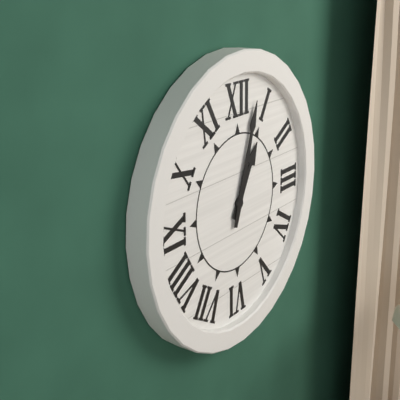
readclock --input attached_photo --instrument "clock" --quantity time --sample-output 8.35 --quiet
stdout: 1.03
